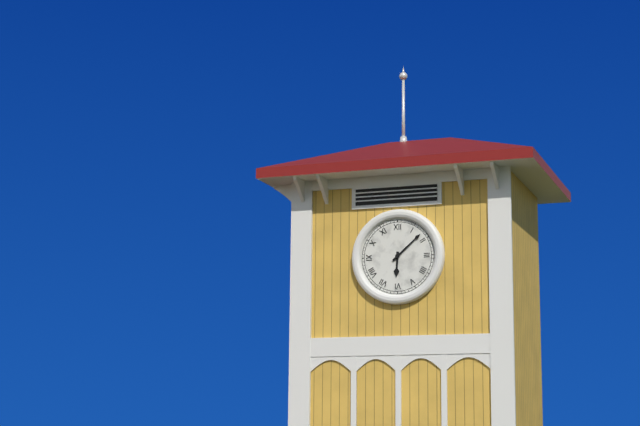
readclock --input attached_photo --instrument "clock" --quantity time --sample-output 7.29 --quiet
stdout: 6.08
